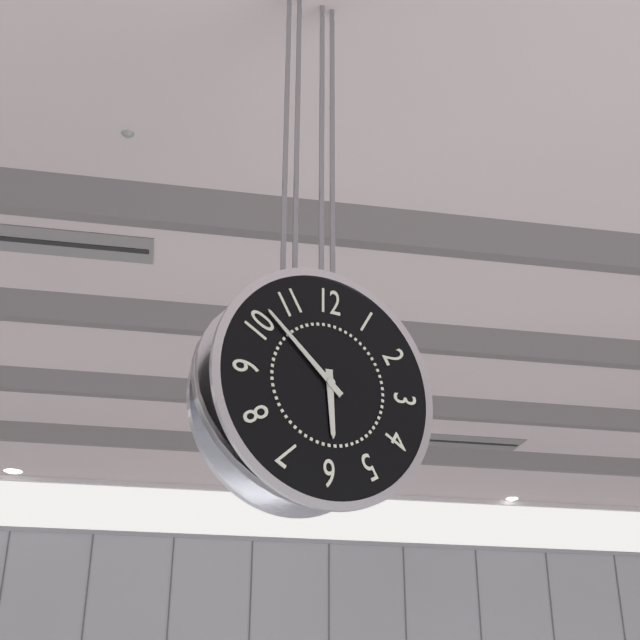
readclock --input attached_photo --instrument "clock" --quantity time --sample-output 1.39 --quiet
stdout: 5.52
